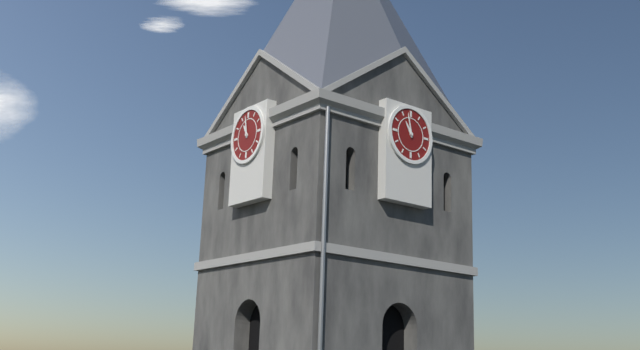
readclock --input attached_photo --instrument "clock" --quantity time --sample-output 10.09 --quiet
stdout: 10.58
